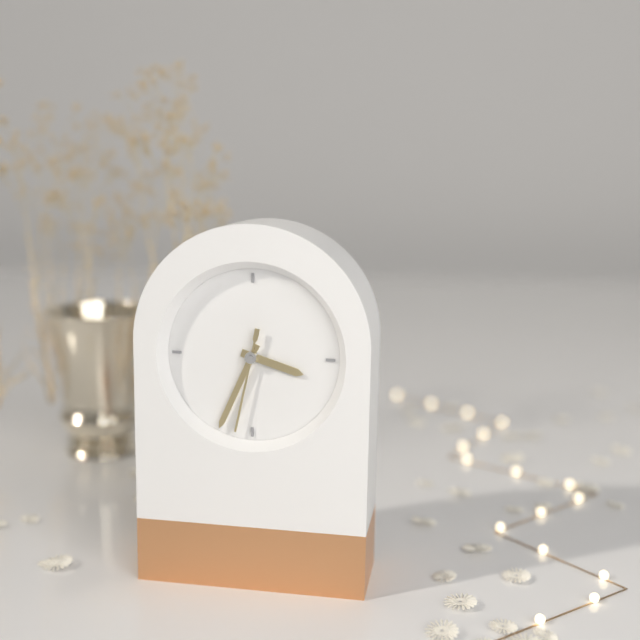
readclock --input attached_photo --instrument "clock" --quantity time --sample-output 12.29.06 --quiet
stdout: 3.34.32
